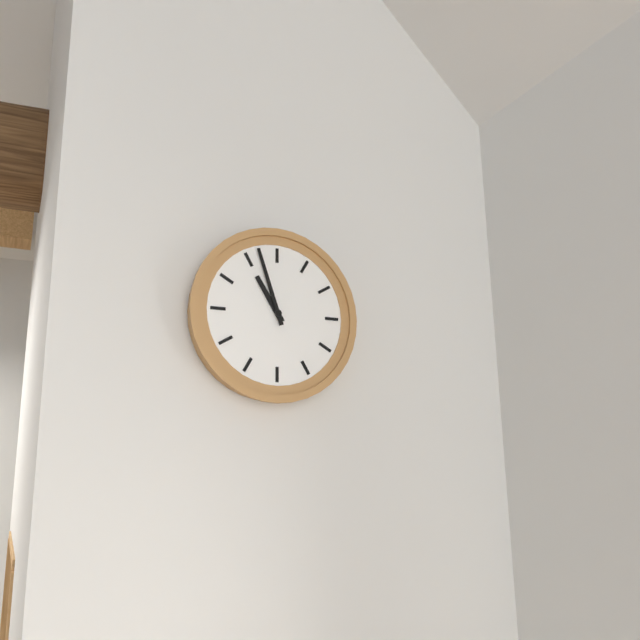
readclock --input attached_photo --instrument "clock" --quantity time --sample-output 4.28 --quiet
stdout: 10.57
